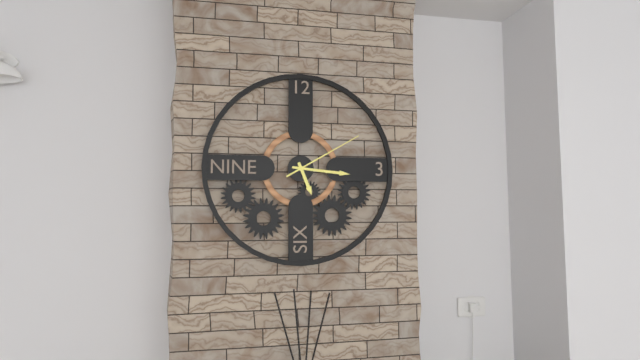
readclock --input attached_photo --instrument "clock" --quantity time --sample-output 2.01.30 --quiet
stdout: 5.16.10
